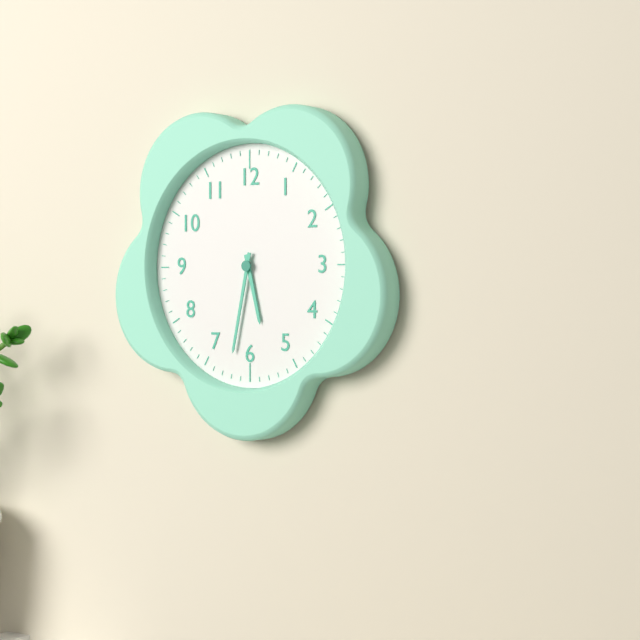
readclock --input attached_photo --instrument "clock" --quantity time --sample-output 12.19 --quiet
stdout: 5.32
